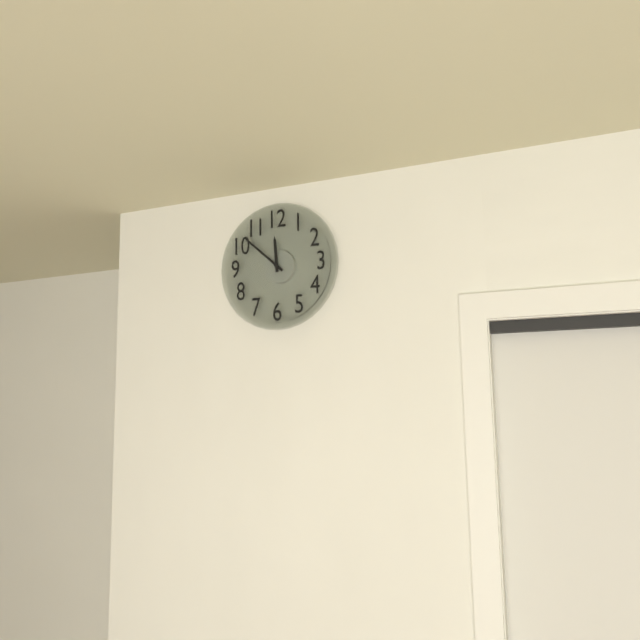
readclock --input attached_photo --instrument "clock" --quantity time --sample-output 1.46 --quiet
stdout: 11.52
